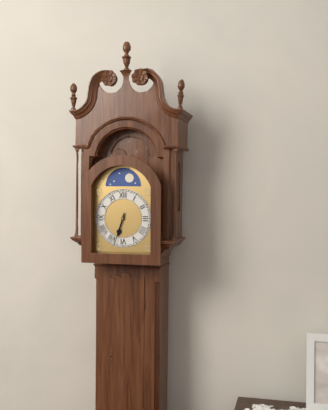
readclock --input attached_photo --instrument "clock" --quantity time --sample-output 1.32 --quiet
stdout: 6.33
